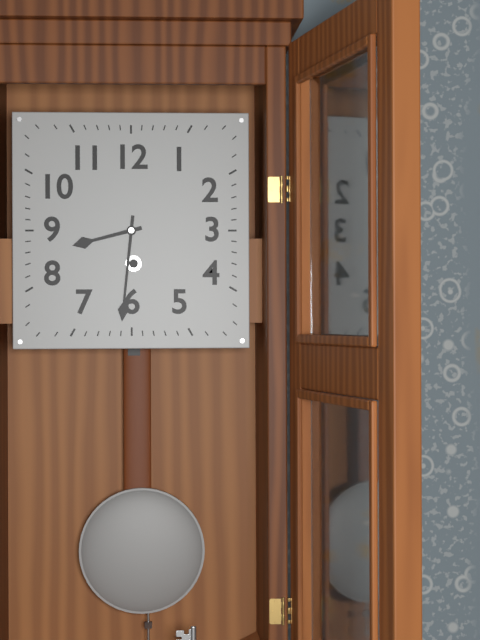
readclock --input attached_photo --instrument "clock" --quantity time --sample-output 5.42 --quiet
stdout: 8.31
